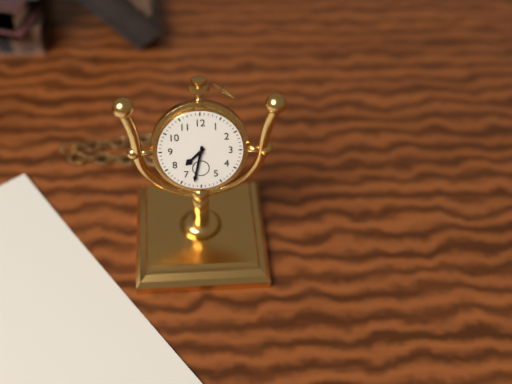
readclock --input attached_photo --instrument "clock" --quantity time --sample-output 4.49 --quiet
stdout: 7.32
